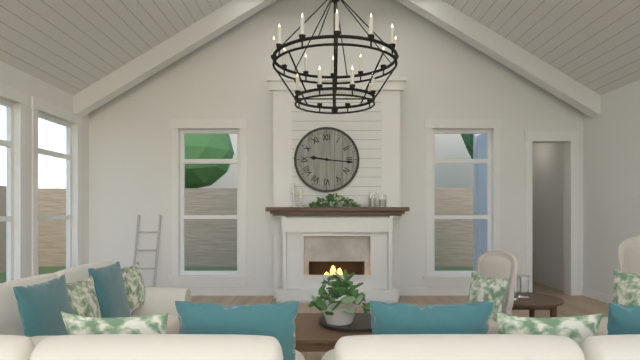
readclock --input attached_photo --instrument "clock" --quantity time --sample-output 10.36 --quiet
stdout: 9.16
